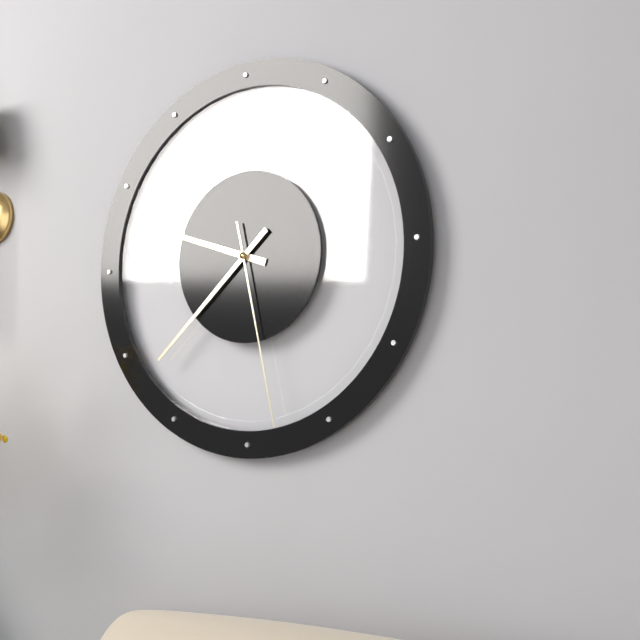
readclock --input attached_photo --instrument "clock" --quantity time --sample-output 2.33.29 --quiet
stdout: 9.38.28
